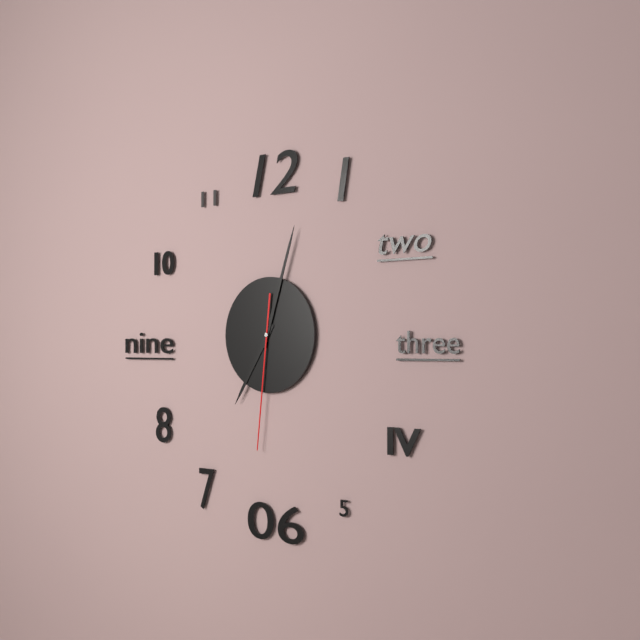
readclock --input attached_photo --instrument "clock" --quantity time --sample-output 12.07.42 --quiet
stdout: 7.03.31
